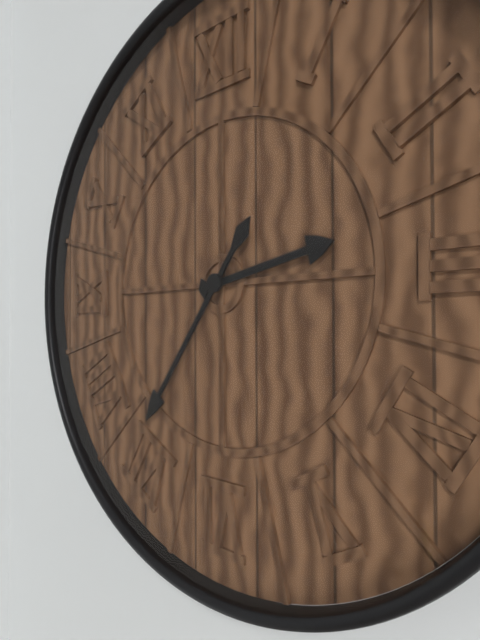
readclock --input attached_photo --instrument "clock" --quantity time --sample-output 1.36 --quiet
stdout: 2.36
